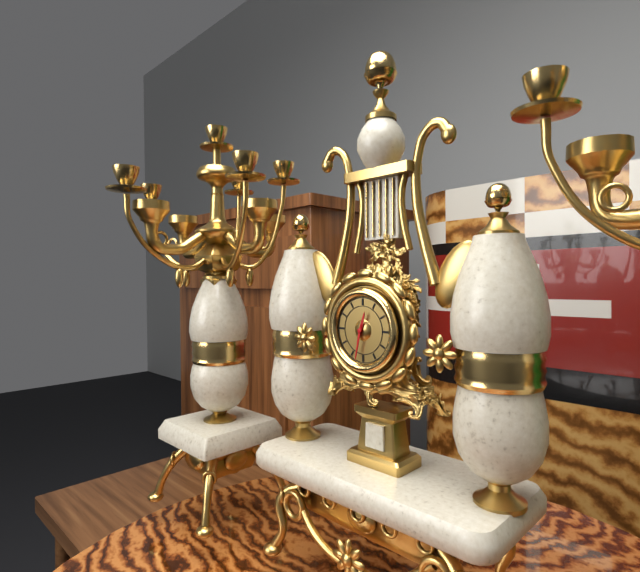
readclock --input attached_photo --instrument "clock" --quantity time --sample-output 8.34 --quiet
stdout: 12.32
